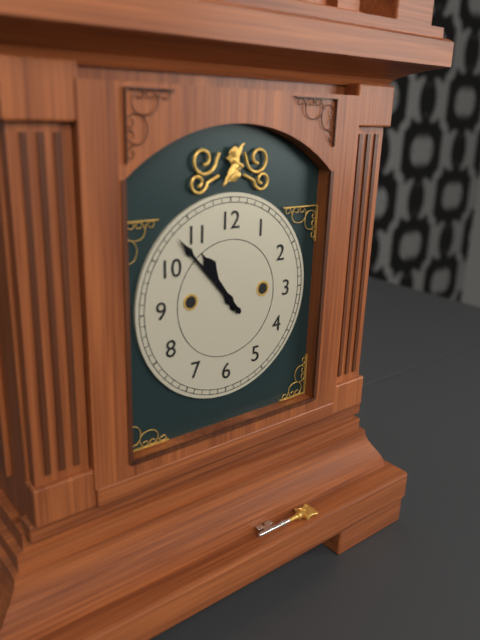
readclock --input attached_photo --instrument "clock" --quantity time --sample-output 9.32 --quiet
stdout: 10.53
